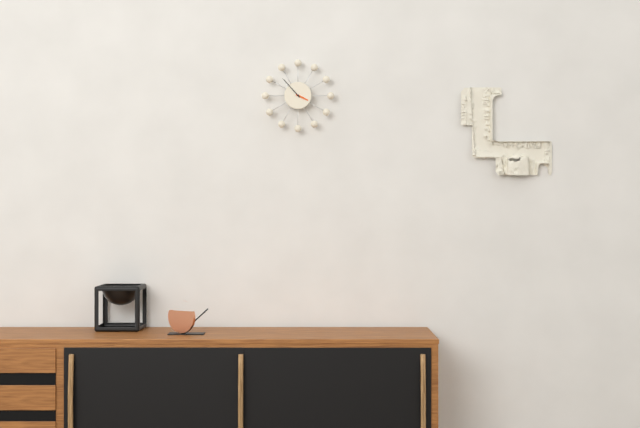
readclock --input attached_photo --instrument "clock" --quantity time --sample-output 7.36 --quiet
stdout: 3.53
